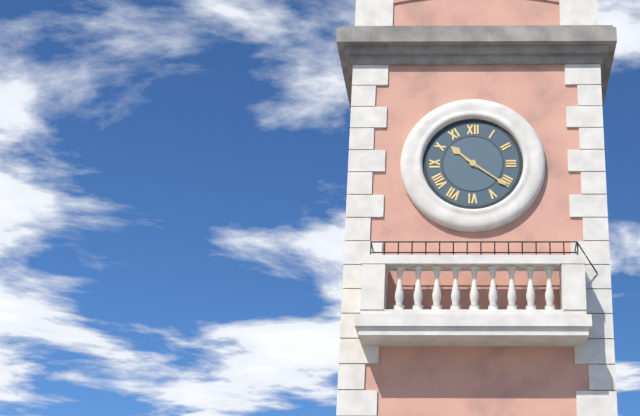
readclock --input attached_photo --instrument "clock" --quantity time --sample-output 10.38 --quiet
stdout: 10.21
